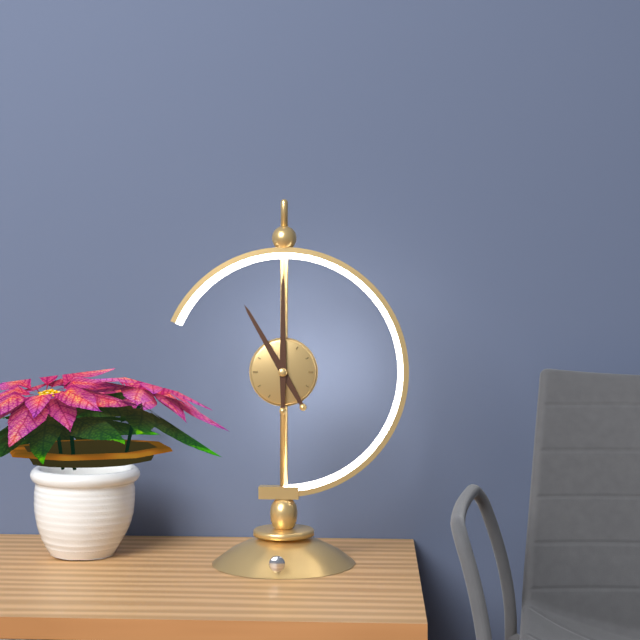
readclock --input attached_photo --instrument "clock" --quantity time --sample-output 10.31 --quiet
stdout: 11.00
